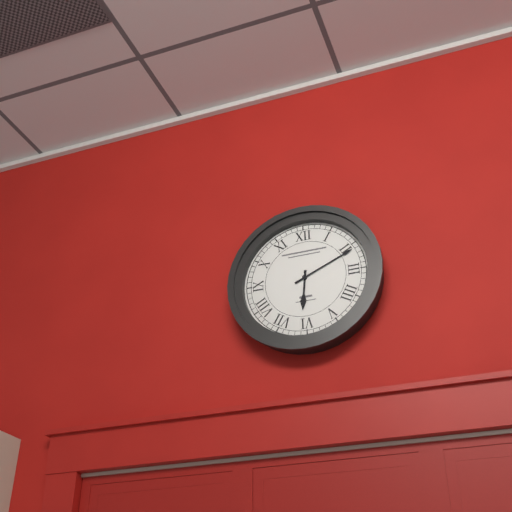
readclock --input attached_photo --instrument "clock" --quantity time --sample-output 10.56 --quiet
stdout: 6.11
